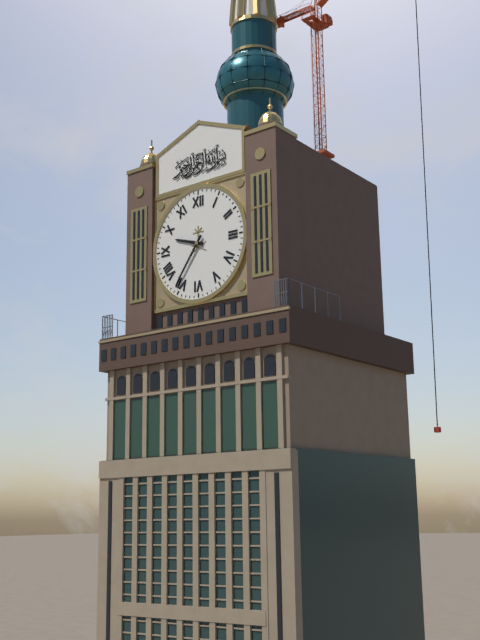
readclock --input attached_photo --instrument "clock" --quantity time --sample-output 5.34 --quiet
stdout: 9.36
